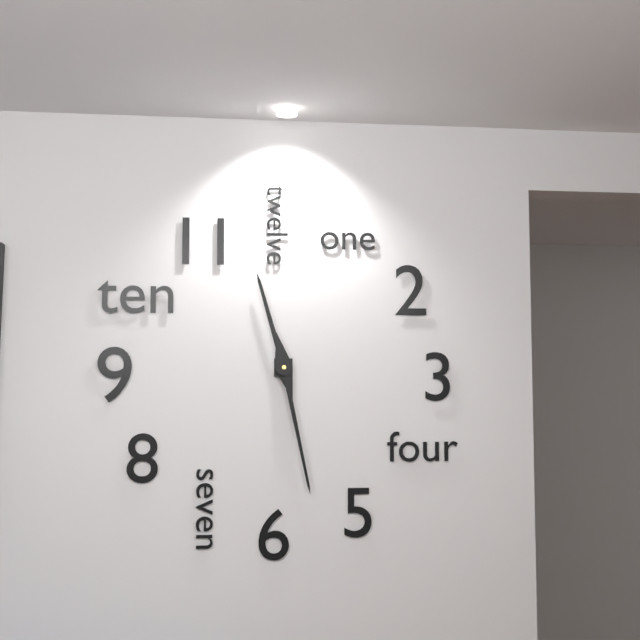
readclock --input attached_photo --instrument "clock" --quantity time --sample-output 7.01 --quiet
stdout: 11.28
